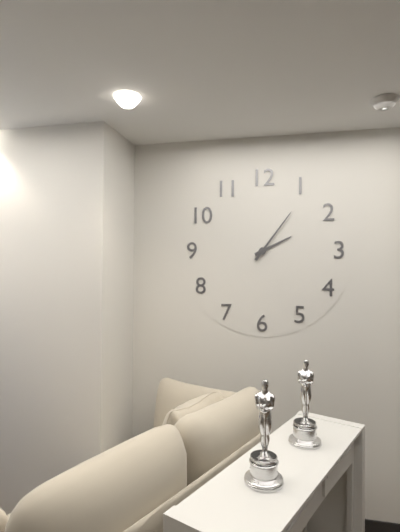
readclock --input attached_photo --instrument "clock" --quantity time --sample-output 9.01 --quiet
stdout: 2.06
